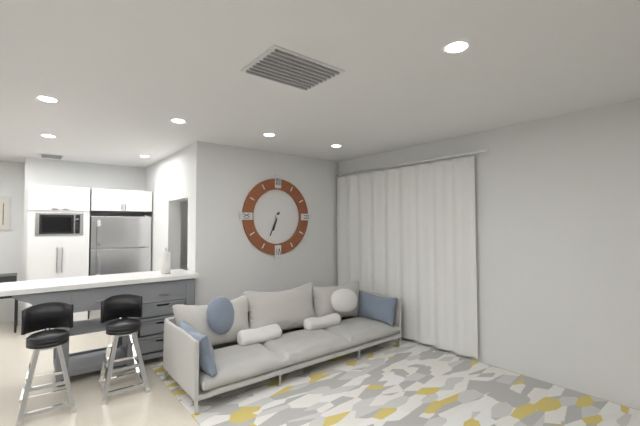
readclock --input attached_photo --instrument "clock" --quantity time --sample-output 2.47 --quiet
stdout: 6.34
